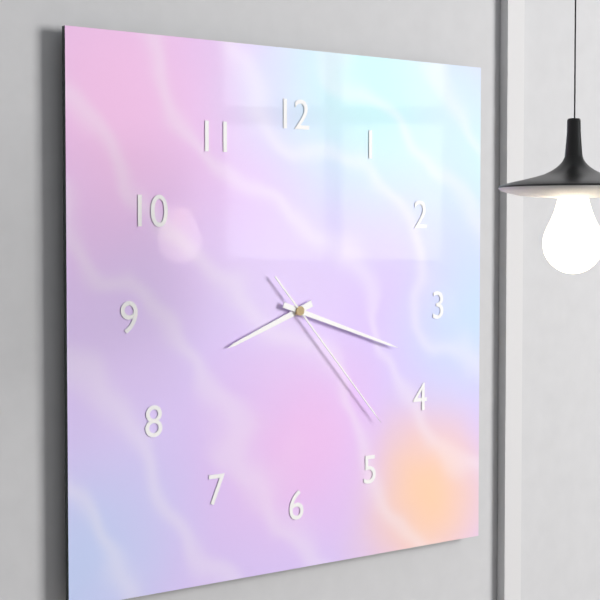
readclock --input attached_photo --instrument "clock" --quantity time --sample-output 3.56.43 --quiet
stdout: 8.18.23
